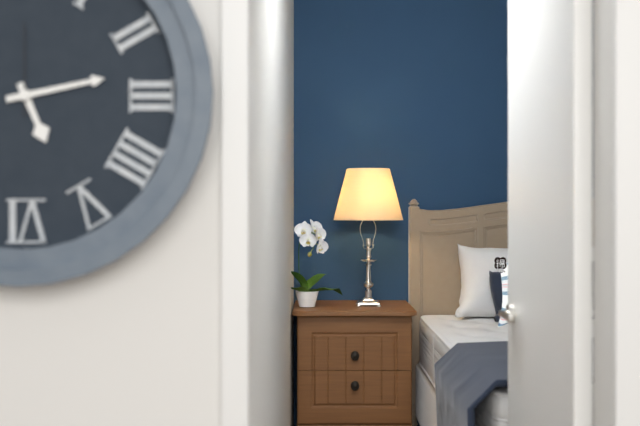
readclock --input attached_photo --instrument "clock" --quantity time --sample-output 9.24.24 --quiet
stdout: 5.13.00
